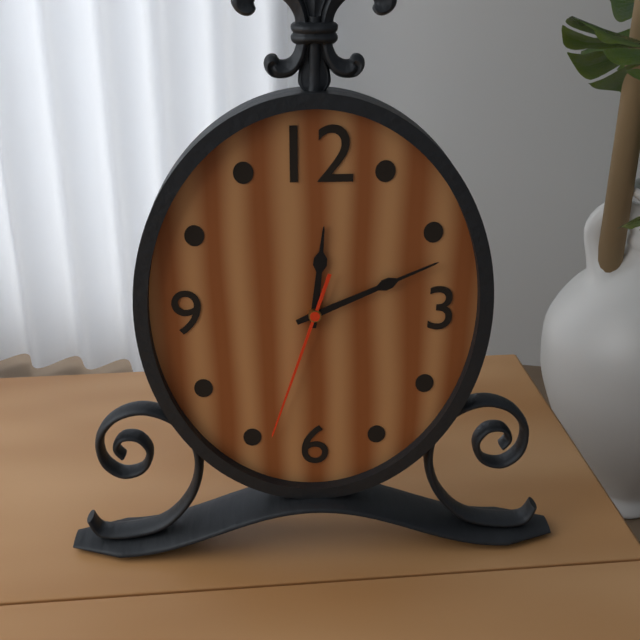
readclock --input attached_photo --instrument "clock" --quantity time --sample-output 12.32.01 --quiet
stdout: 12.11.33
